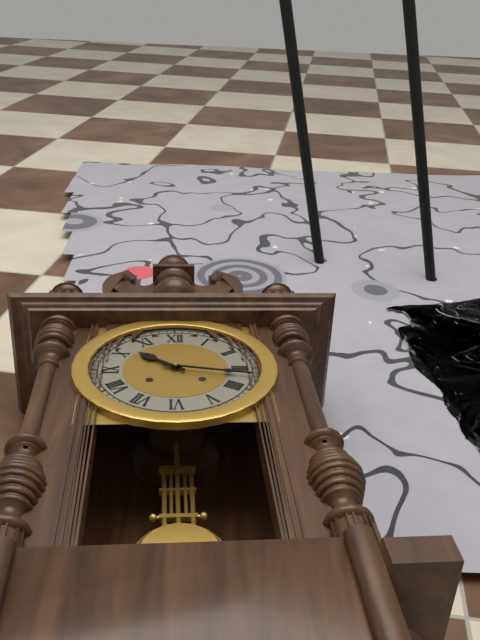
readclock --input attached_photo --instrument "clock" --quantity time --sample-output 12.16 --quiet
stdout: 10.17
